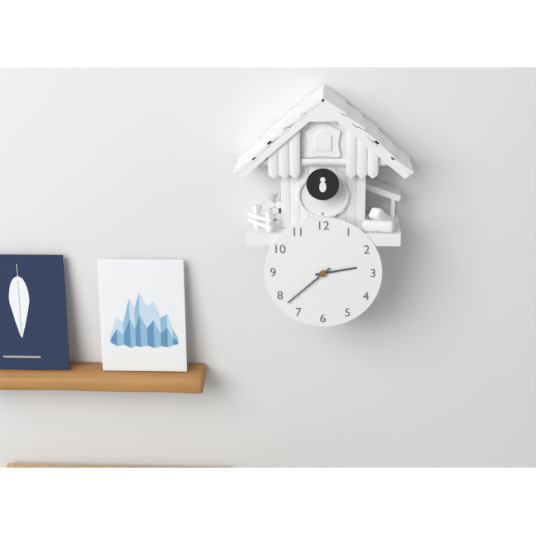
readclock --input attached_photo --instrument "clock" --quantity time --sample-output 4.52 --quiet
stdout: 2.38
